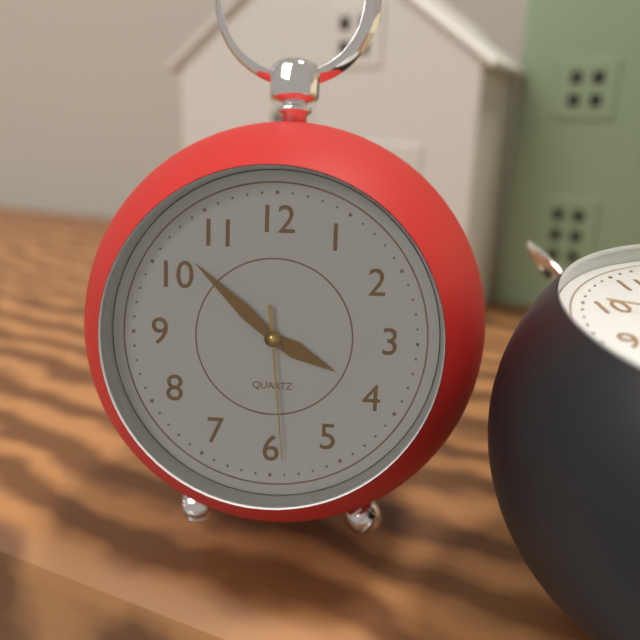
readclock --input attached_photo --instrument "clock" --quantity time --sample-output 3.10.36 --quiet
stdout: 3.52.29
